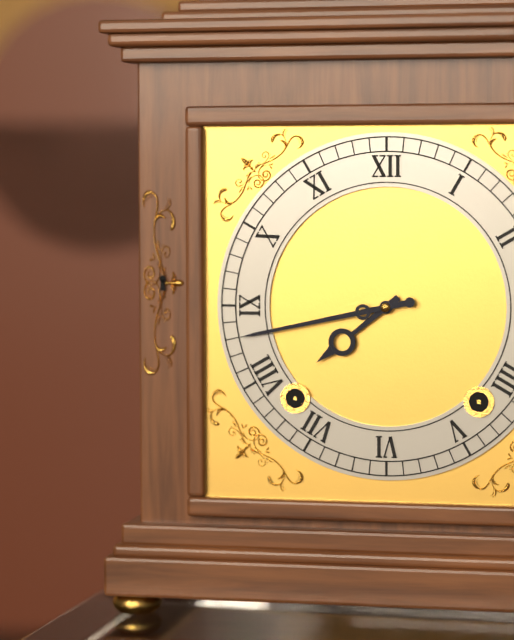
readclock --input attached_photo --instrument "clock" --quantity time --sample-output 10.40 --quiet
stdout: 7.43
